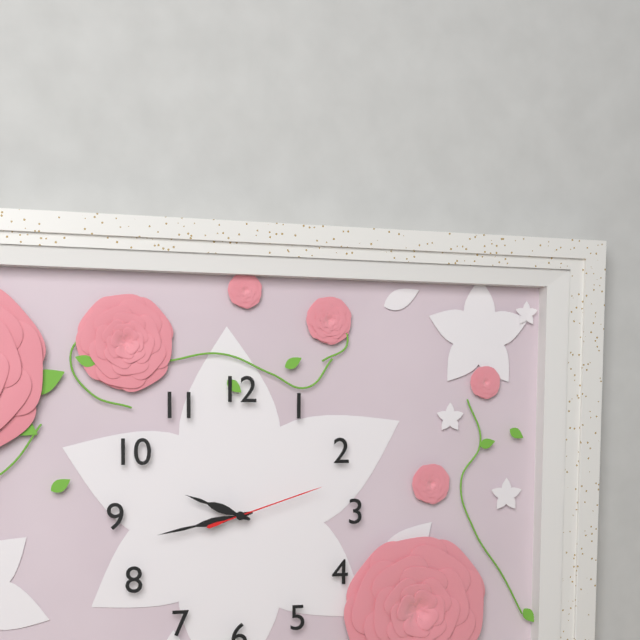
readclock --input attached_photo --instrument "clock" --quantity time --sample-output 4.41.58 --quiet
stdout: 9.43.12
